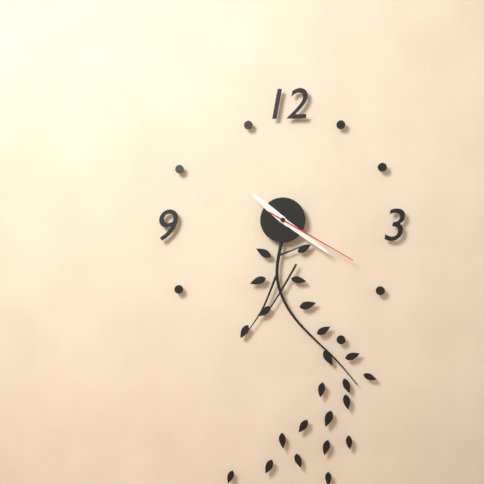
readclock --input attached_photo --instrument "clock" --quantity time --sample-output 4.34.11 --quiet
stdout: 10.21.20
